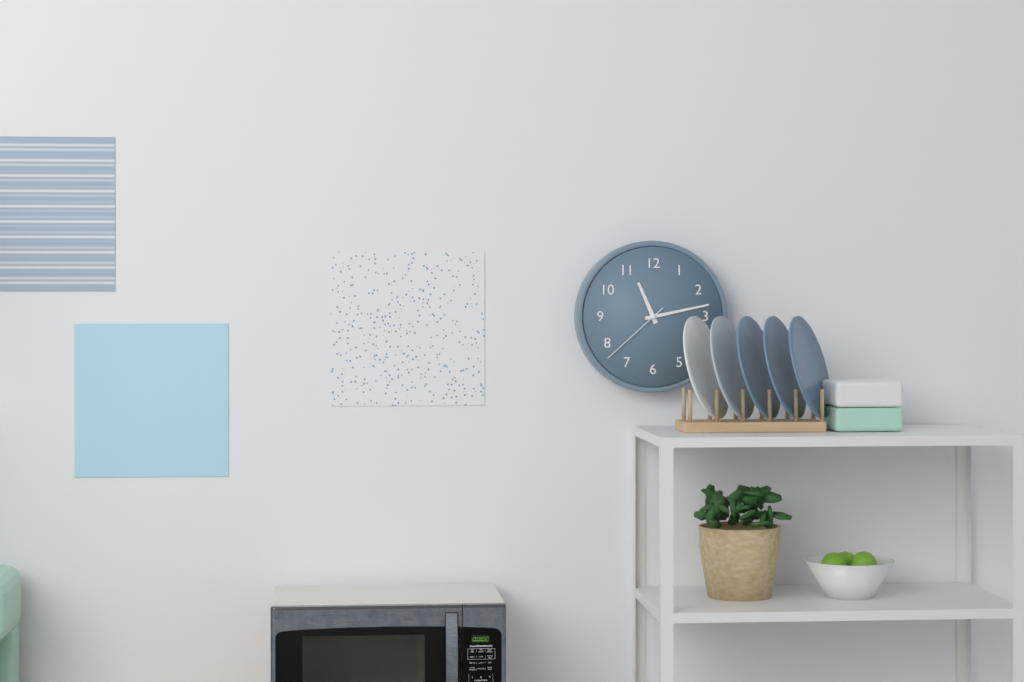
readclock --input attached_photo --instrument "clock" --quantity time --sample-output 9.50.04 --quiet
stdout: 11.13.38
